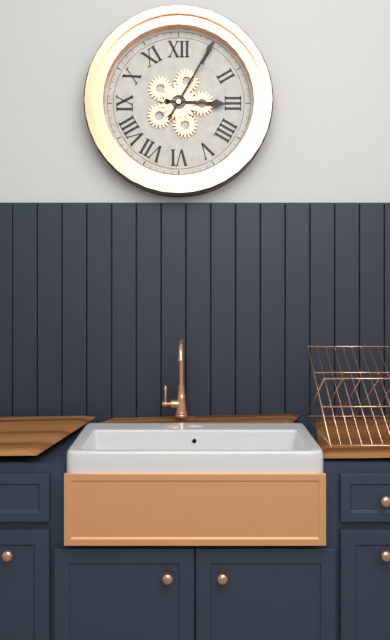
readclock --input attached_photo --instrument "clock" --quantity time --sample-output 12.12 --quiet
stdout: 3.05
